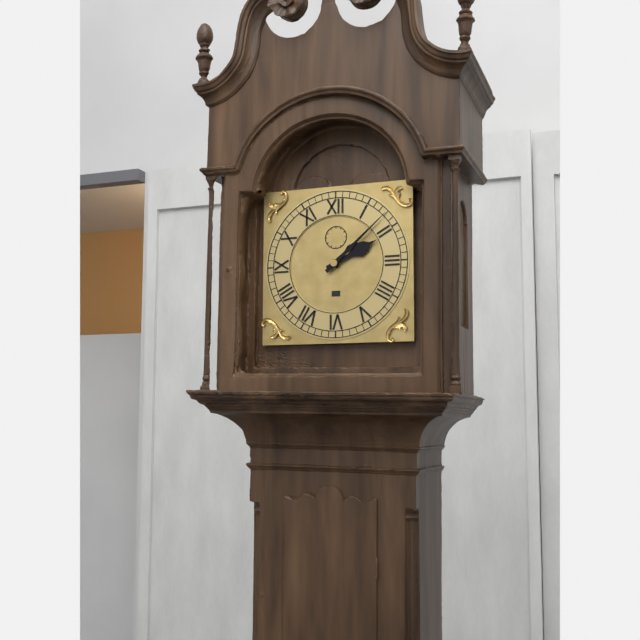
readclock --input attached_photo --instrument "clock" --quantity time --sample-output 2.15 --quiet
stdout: 2.08
